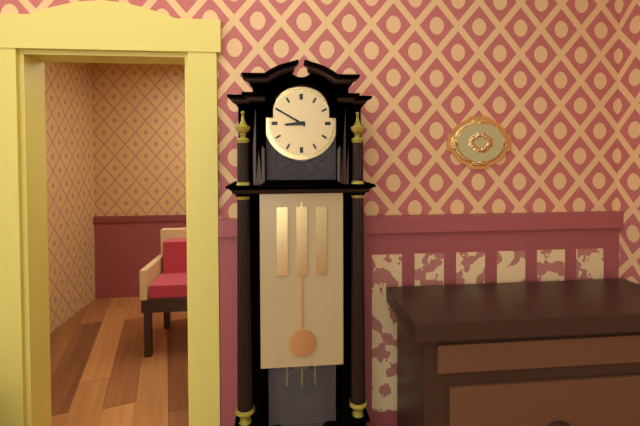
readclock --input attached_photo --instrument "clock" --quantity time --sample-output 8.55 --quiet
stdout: 8.50
